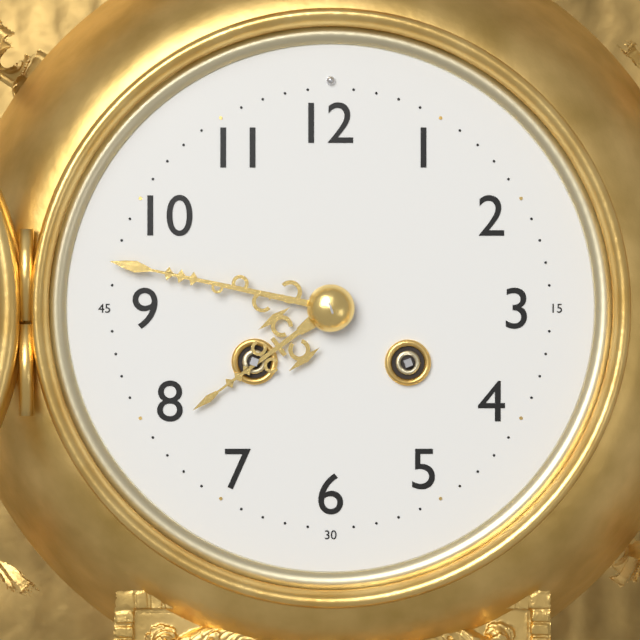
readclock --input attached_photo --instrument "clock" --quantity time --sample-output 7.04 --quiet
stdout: 7.47
